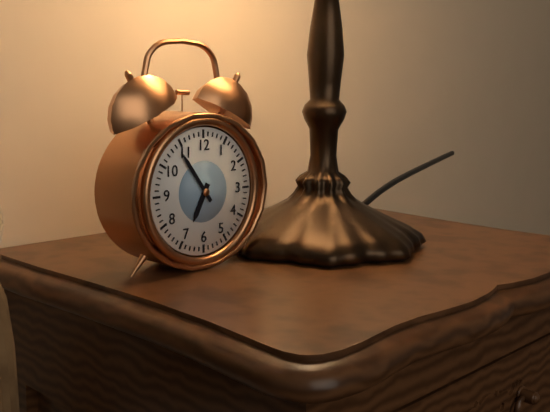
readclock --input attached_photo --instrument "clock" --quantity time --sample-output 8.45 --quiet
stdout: 6.54
